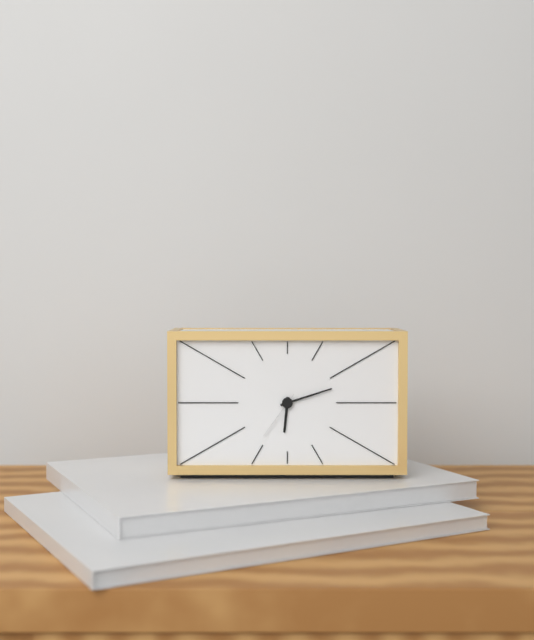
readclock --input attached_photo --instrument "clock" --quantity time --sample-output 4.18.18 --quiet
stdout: 6.12.36
